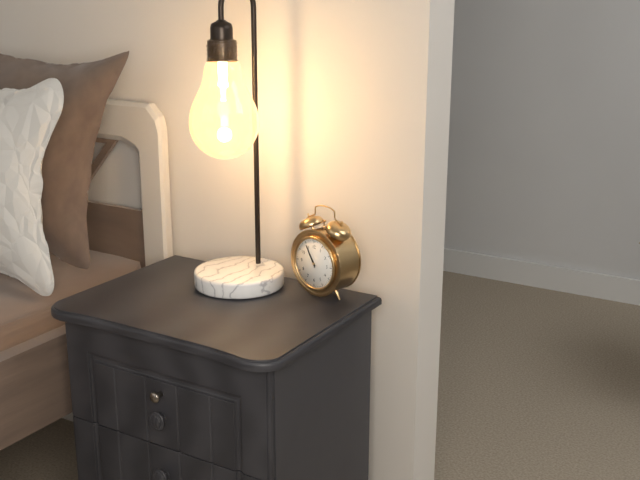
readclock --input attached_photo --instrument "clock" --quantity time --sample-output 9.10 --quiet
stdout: 10.55
